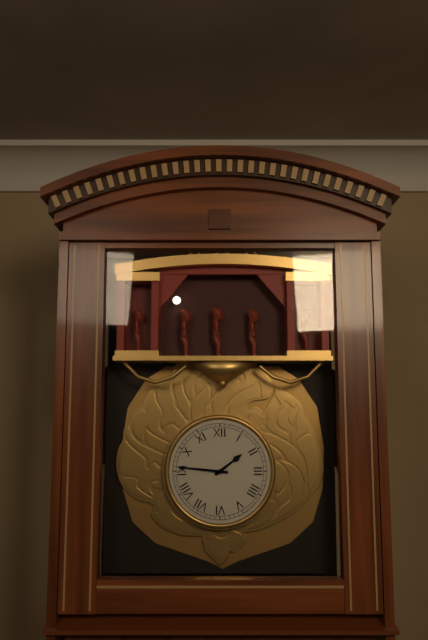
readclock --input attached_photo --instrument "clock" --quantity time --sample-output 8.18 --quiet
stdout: 1.46
